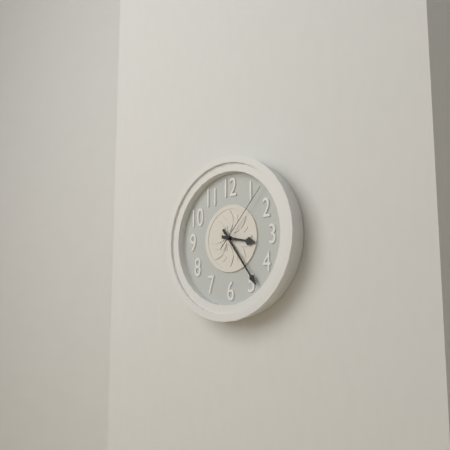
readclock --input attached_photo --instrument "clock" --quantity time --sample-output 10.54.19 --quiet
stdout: 3.24.07
